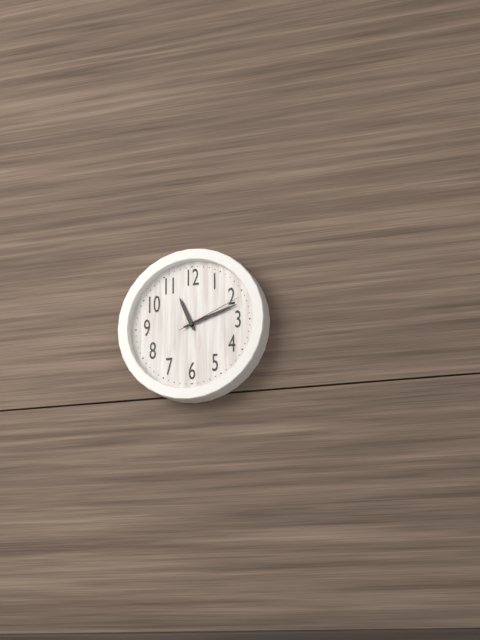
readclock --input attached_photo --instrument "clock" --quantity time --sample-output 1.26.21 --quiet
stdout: 11.12.11
